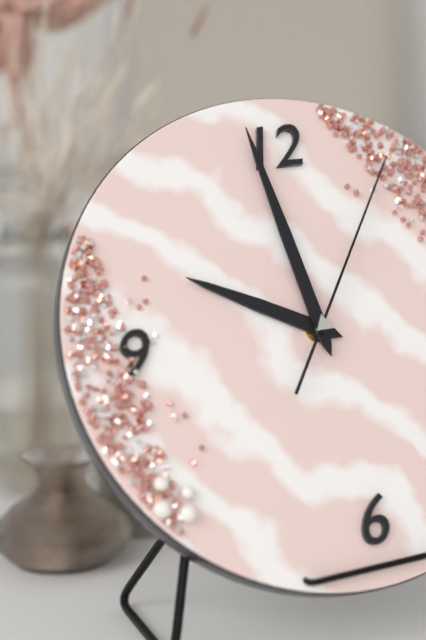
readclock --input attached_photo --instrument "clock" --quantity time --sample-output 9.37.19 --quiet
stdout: 9.59.06
